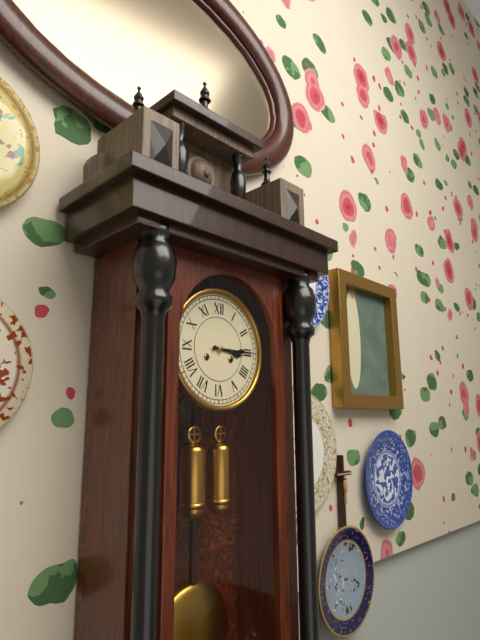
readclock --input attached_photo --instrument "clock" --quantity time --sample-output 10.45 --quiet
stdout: 3.15
